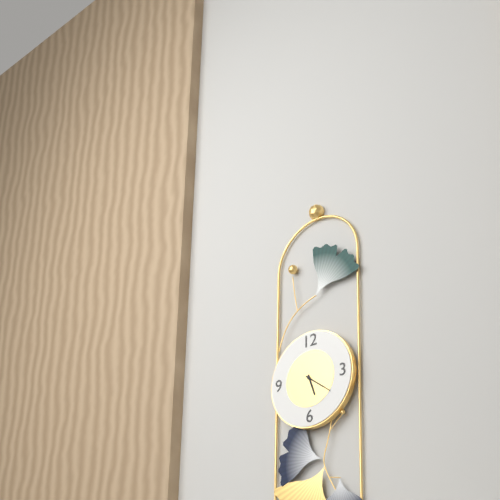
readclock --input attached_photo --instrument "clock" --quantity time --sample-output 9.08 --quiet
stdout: 5.21
